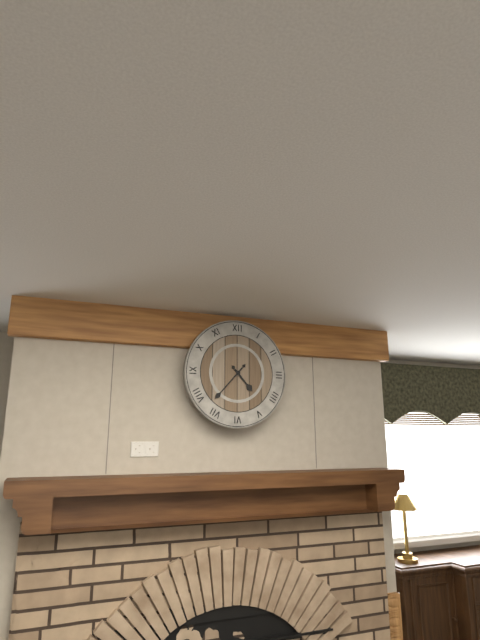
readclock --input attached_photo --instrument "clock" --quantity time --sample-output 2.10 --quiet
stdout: 4.37
